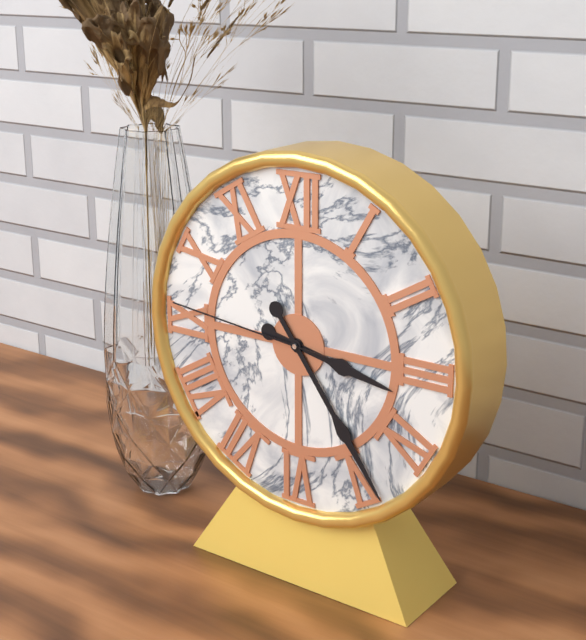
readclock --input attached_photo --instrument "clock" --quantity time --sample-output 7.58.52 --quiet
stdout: 3.24.46
